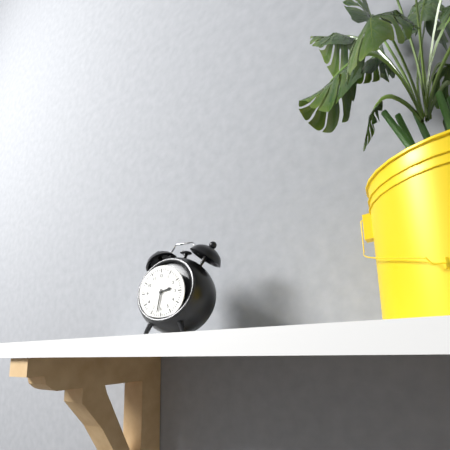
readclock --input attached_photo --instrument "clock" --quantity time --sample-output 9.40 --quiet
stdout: 2.32
